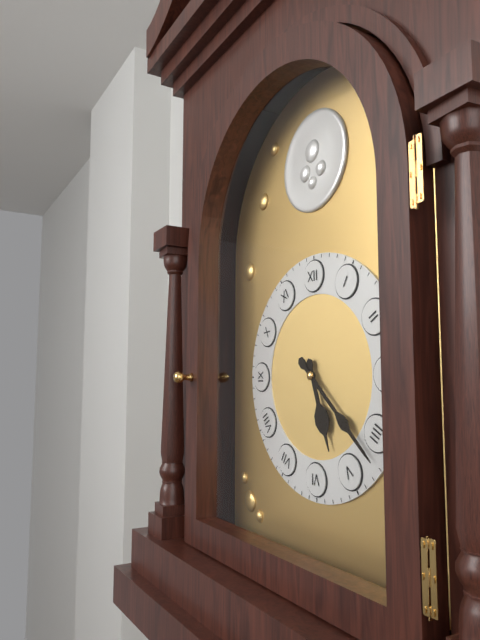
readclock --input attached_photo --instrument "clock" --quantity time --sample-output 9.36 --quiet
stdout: 5.22
